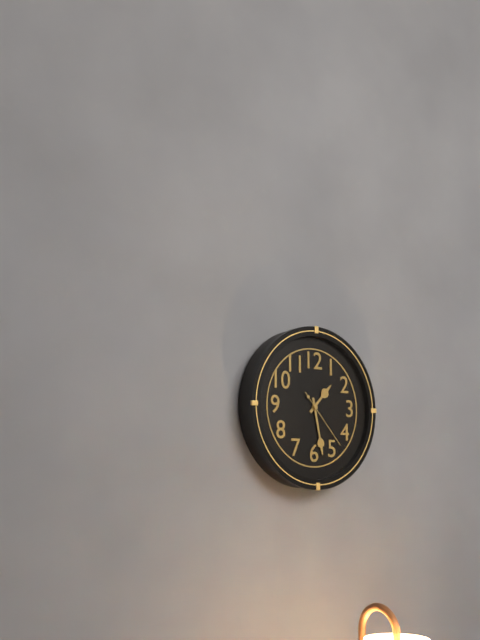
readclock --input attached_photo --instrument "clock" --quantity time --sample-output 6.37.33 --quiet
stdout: 1.28.23
